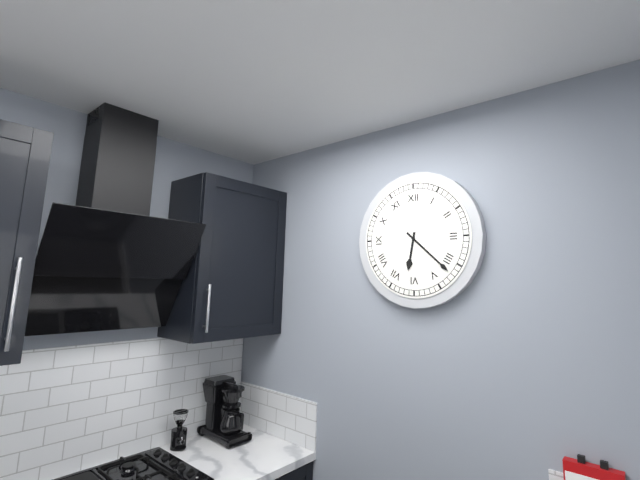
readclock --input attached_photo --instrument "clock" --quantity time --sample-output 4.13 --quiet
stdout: 6.22
